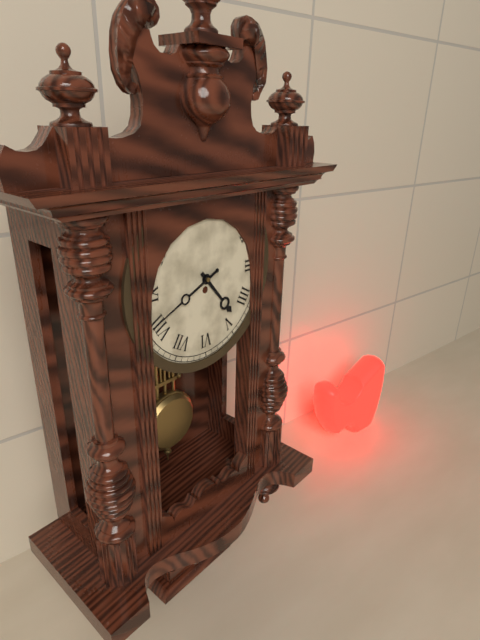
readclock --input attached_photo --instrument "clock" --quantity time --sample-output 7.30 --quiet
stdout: 4.41
